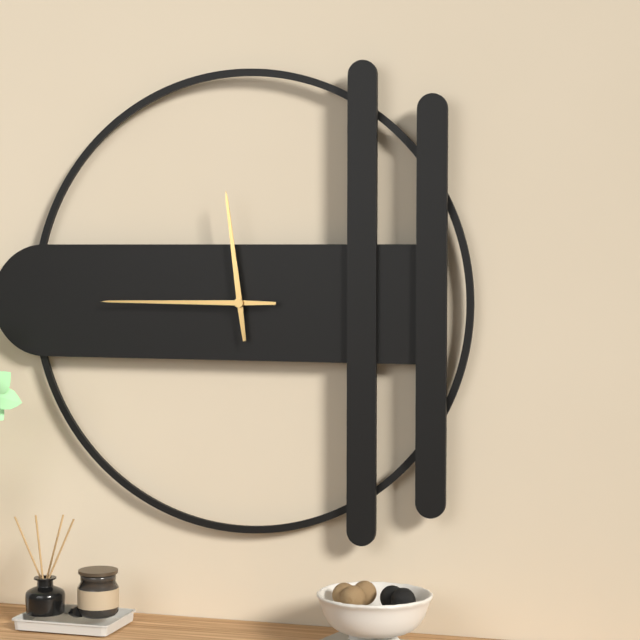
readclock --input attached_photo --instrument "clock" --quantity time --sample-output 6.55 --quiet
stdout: 11.45
